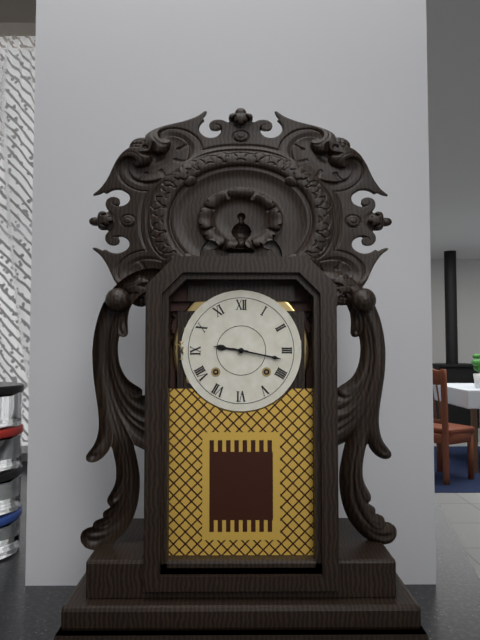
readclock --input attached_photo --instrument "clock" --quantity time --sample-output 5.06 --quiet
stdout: 9.17
